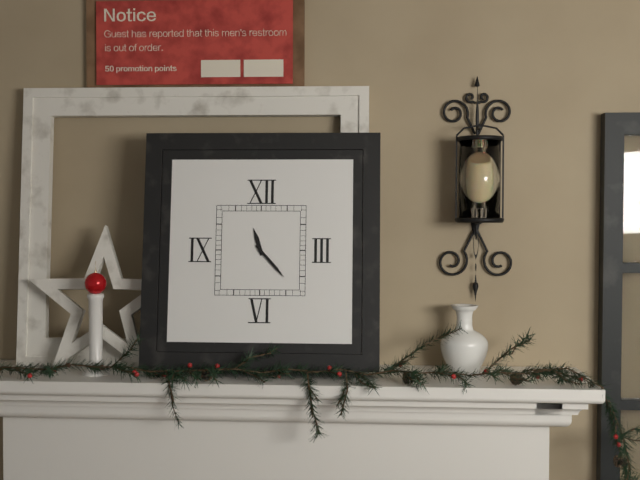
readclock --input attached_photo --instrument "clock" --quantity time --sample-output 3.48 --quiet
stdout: 11.23
